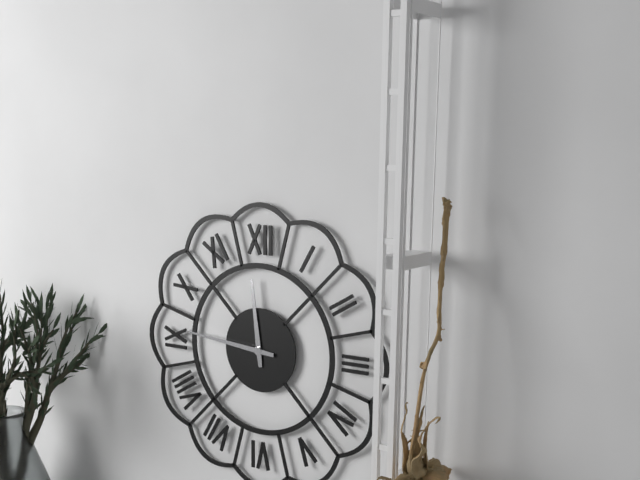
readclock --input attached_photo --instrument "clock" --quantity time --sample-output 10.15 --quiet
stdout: 11.46
